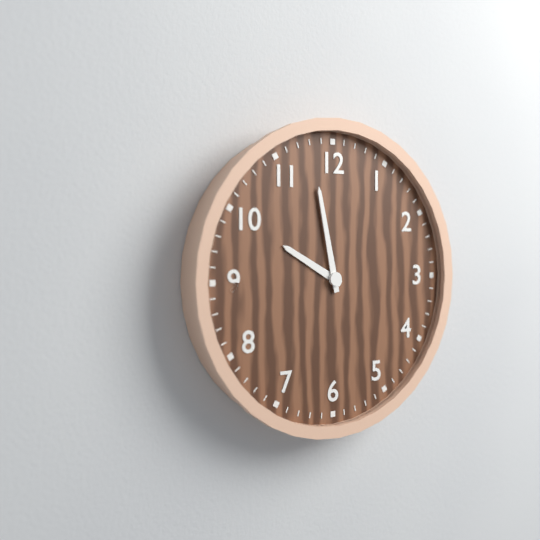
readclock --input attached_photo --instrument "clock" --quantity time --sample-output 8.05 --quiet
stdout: 9.58
